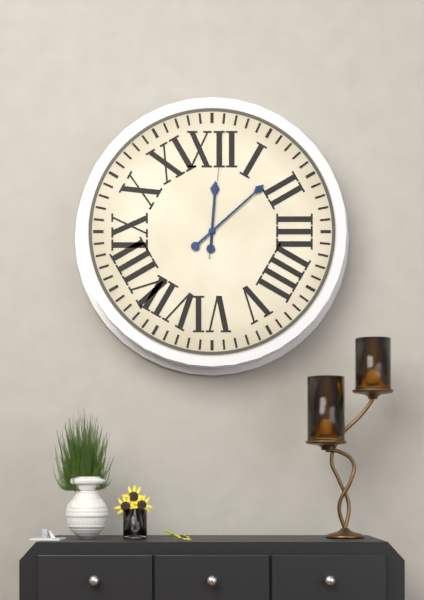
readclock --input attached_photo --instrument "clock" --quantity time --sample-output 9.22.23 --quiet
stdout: 12.08.01
